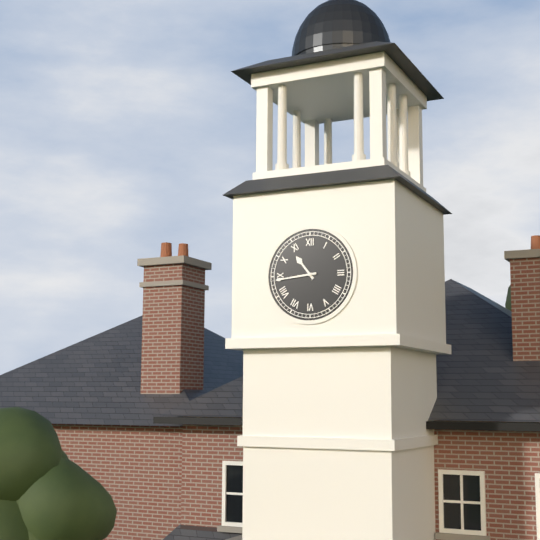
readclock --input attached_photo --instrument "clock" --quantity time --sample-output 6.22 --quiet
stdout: 10.44
